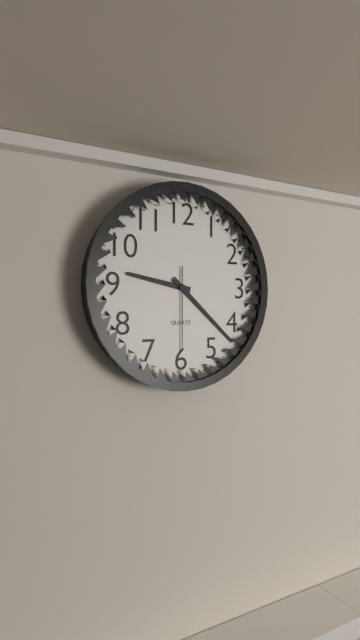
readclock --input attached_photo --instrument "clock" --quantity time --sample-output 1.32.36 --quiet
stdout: 9.22.30
